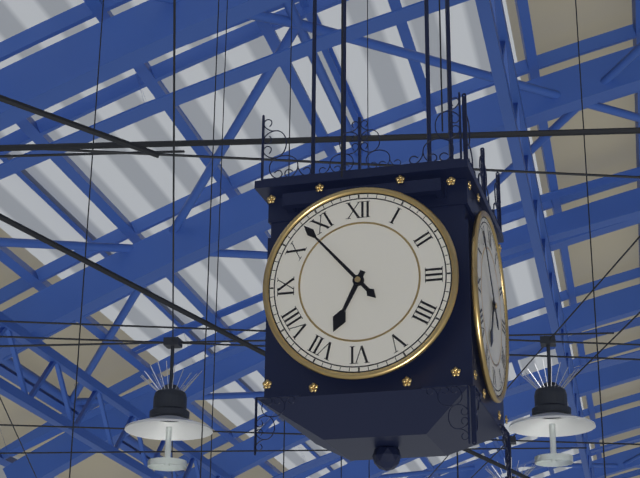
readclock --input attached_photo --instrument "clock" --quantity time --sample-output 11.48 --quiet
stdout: 6.53
